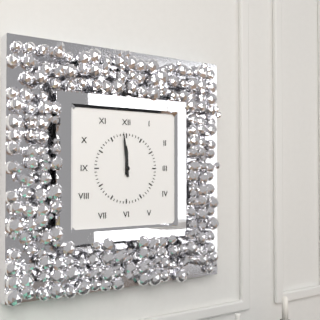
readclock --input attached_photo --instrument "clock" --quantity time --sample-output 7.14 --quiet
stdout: 11.59
